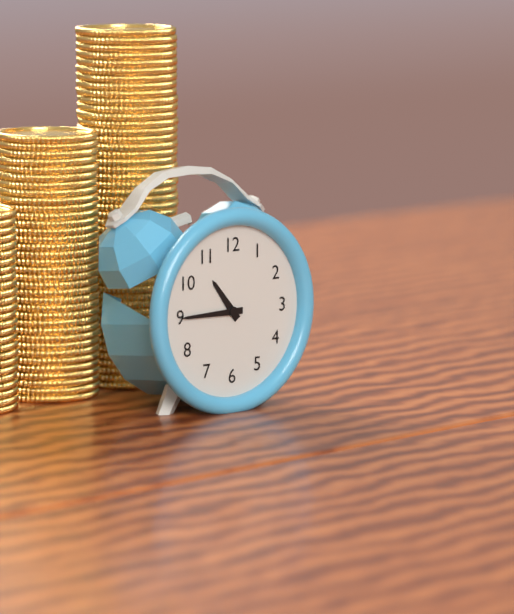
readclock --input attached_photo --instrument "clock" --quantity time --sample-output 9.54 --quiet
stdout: 10.45
